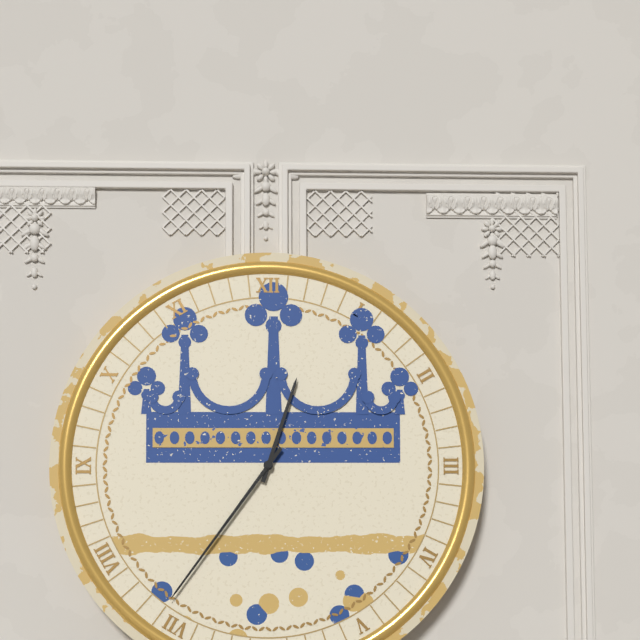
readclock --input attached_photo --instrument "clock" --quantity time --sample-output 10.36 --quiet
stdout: 12.36
